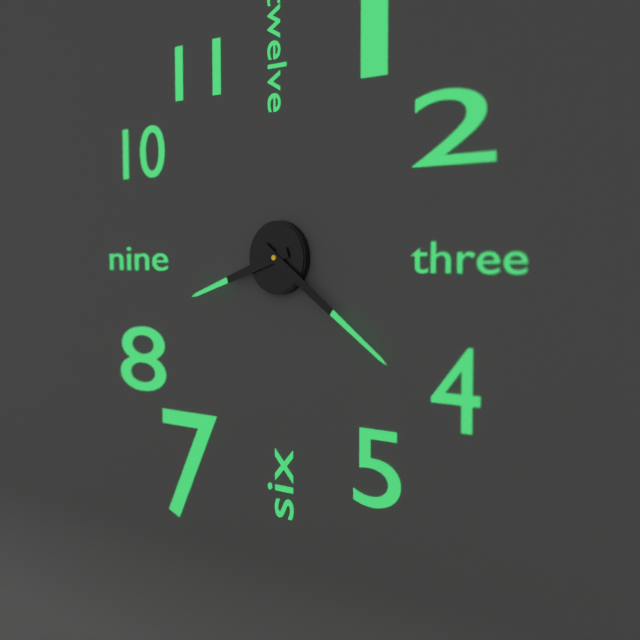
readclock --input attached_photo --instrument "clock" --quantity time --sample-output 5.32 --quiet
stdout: 8.21
